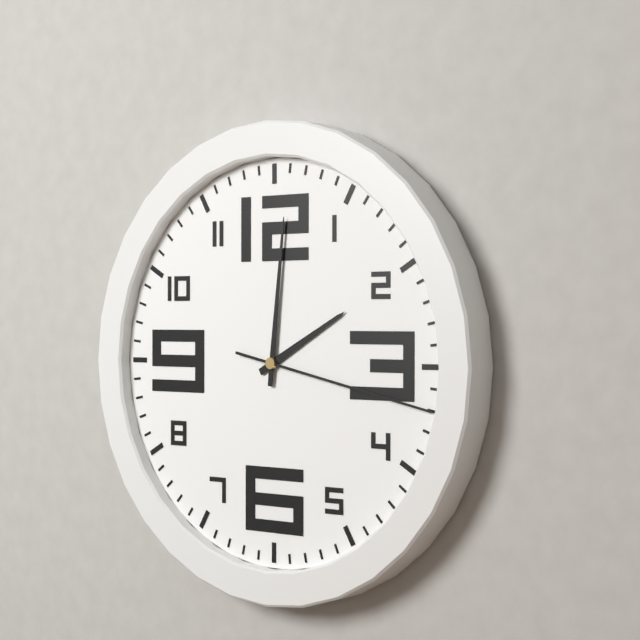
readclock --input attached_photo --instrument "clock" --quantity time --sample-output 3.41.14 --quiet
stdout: 2.01.17
